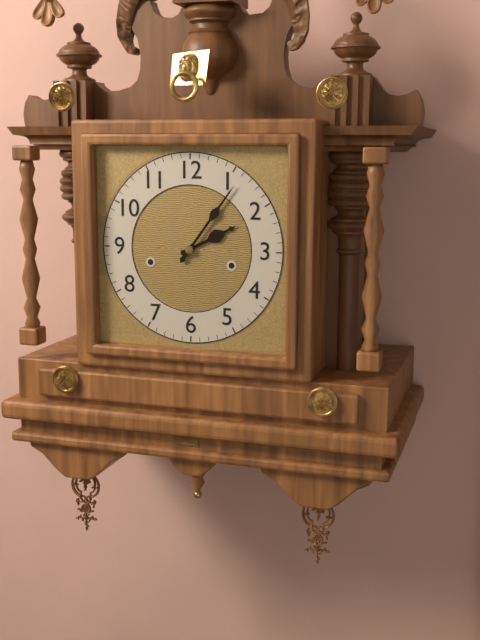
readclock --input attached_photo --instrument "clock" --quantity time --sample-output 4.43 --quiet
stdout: 2.06
